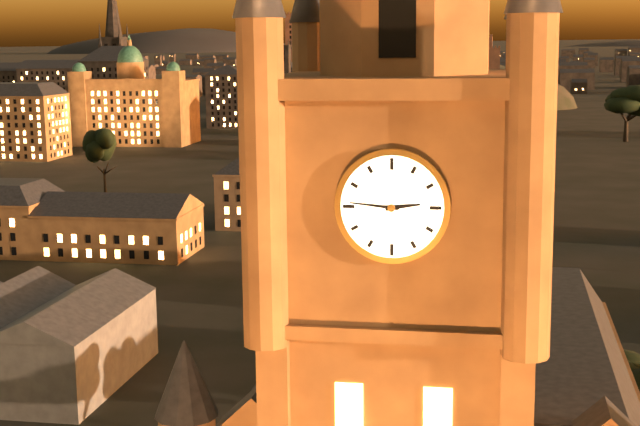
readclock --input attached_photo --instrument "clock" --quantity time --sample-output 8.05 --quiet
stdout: 2.46
